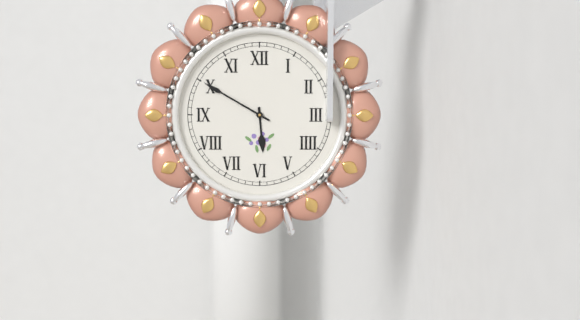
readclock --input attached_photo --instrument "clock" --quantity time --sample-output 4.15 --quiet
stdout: 5.50
